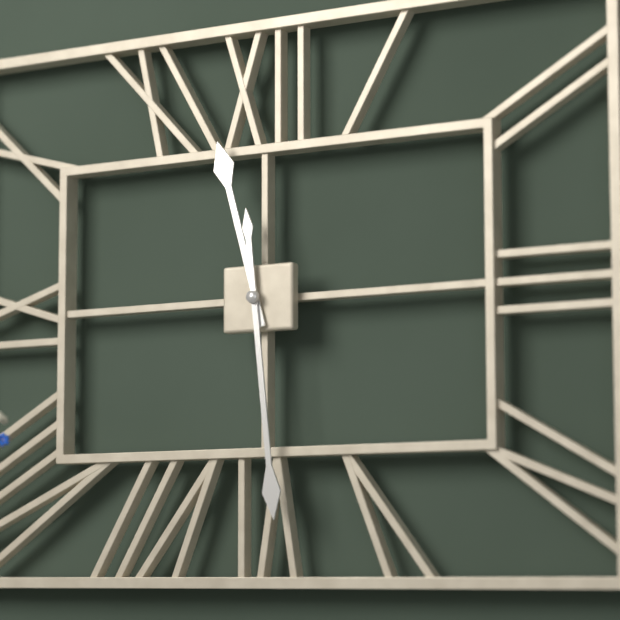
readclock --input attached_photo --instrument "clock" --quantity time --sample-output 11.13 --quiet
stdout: 11.29
